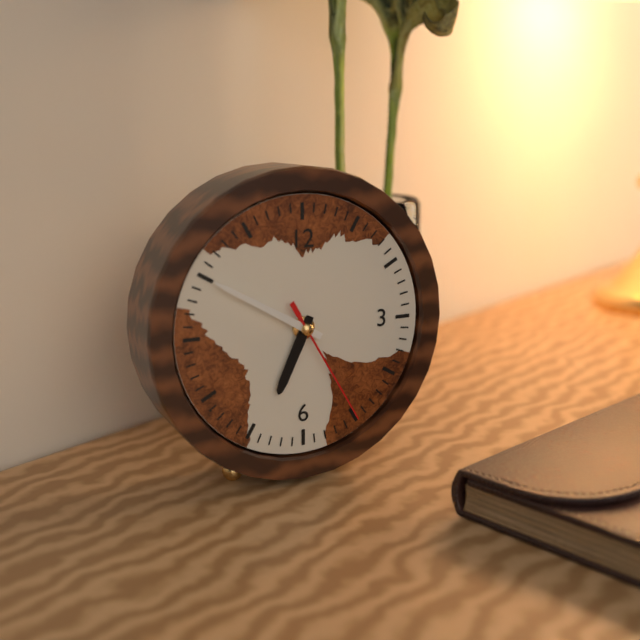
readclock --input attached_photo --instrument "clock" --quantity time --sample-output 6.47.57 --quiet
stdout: 6.50.25
